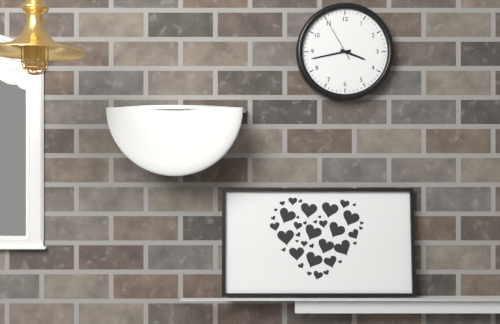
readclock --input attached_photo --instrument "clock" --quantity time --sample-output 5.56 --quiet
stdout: 3.43
